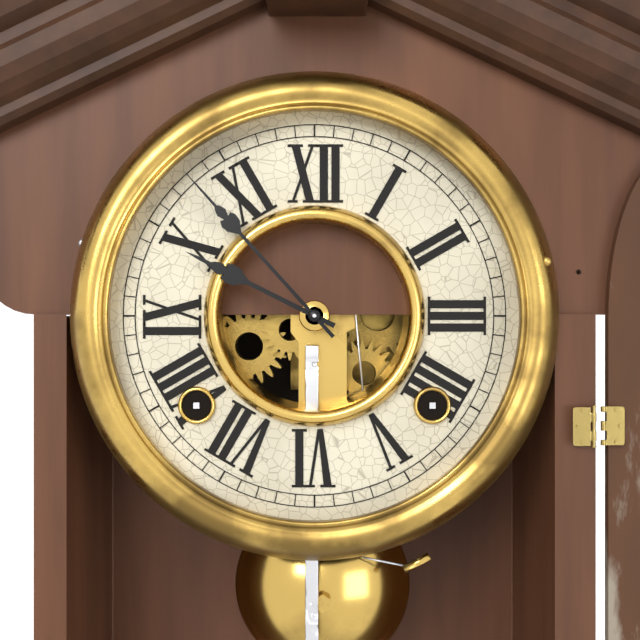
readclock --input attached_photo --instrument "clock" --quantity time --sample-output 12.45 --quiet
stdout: 9.53
